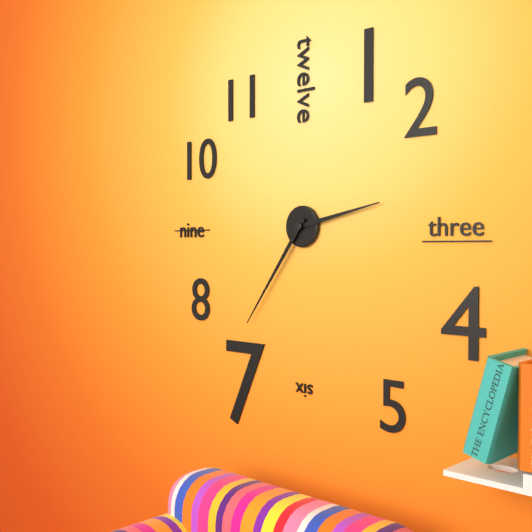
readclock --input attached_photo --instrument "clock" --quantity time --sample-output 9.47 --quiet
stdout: 2.36
